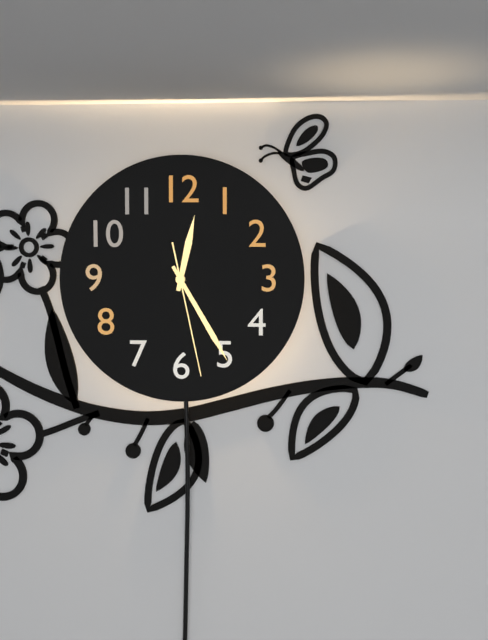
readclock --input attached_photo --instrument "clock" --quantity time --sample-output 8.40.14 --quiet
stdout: 12.25.28
